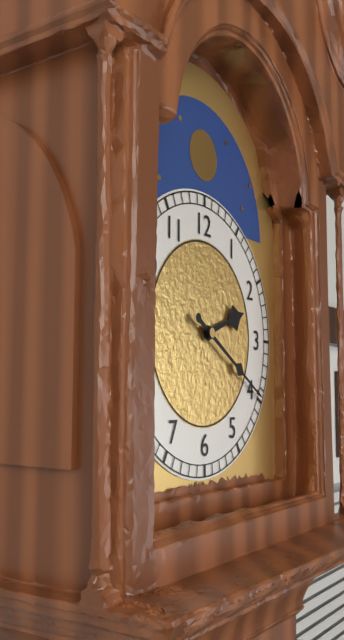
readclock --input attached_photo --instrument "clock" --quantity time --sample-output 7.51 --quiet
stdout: 2.20
